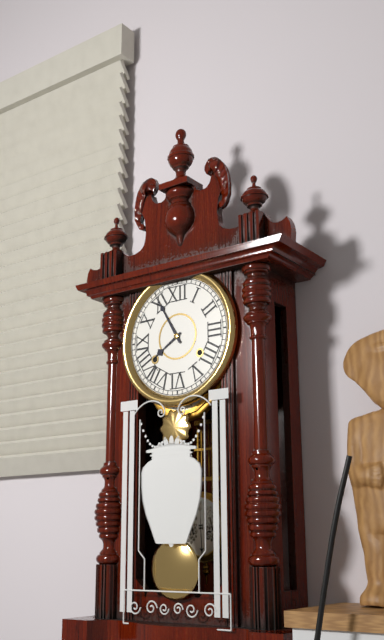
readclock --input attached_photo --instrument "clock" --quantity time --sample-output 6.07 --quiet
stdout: 7.55
